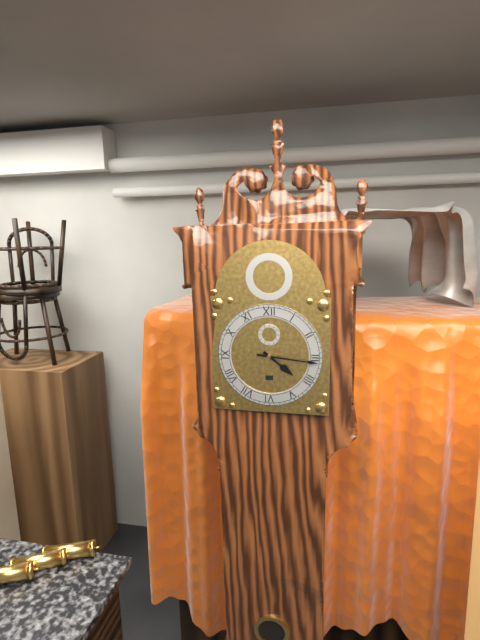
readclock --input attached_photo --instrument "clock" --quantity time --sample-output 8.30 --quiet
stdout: 4.16
